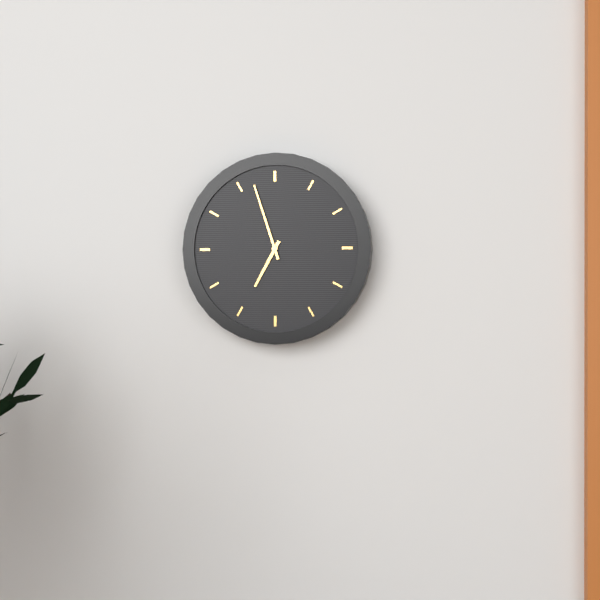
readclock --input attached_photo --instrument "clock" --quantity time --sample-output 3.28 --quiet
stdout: 6.57
